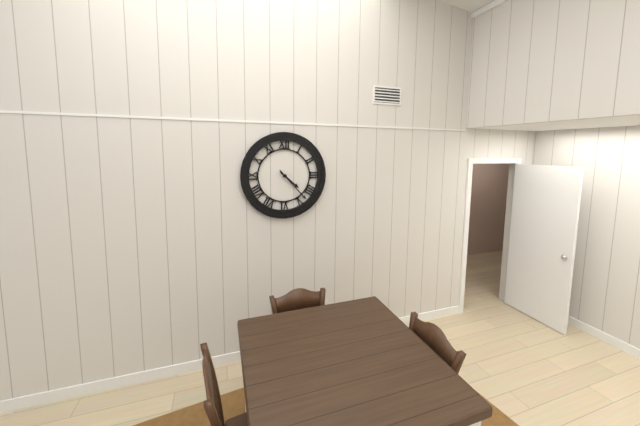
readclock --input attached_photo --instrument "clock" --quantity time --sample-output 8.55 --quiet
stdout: 4.23
